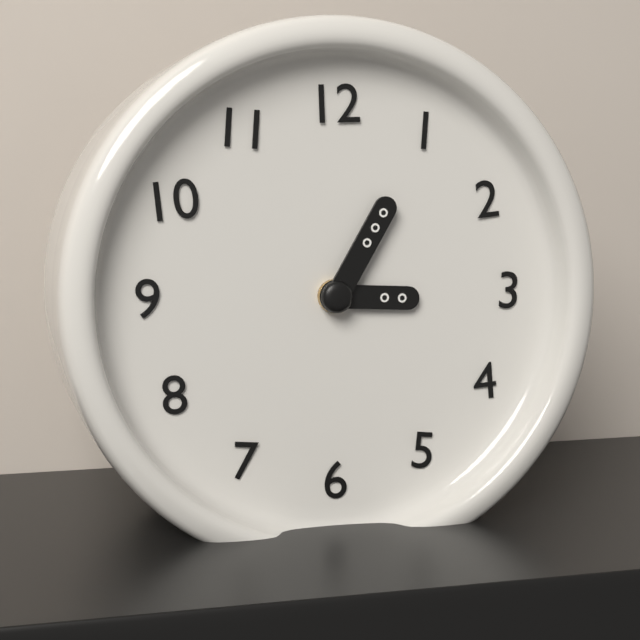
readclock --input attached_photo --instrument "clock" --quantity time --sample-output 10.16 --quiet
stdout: 3.05
